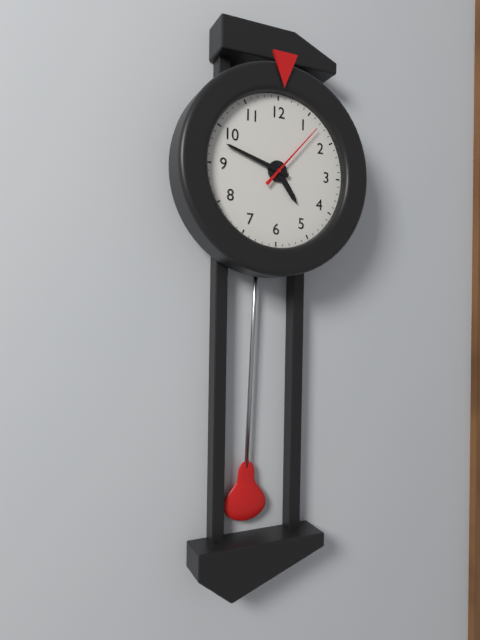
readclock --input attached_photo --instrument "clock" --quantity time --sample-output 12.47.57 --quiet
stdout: 4.48.07
